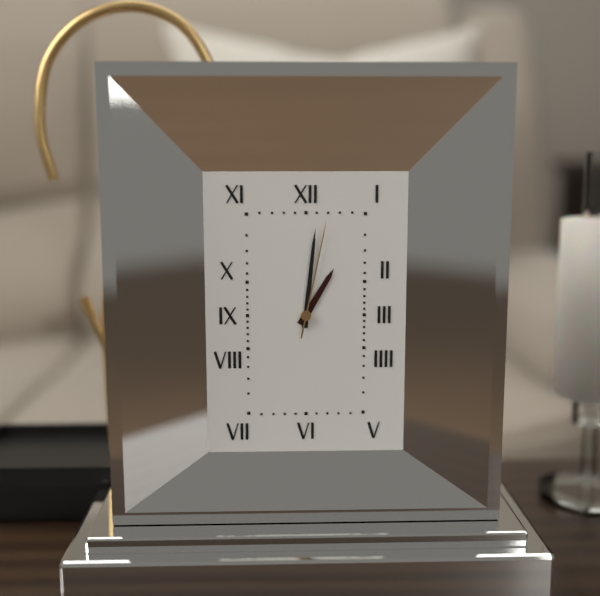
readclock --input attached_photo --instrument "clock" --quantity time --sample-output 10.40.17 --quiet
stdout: 1.01.02
